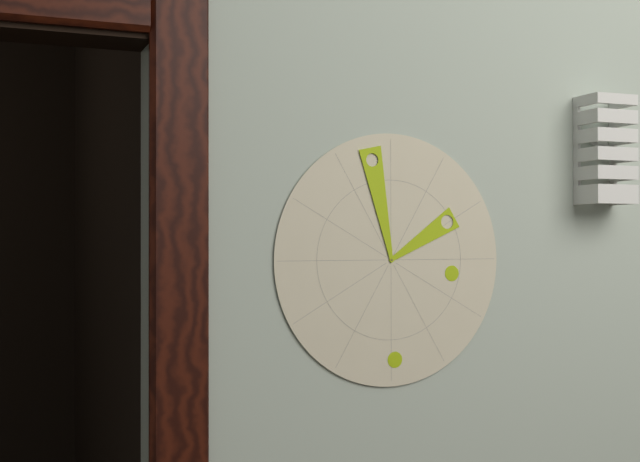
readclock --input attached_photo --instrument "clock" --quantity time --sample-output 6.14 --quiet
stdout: 1.58
